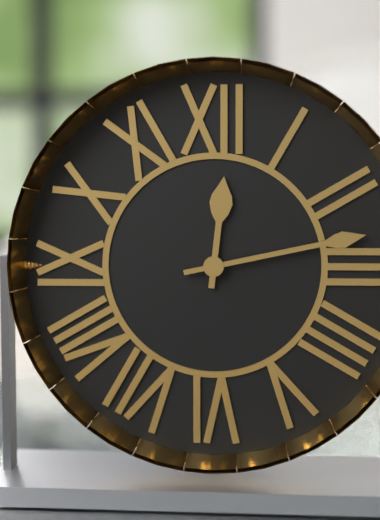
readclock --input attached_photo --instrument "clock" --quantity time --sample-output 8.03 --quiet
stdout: 12.13
